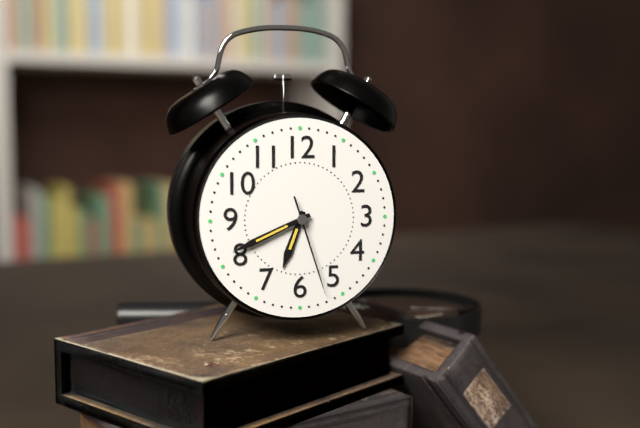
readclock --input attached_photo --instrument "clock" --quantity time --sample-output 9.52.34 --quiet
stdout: 6.41.27
